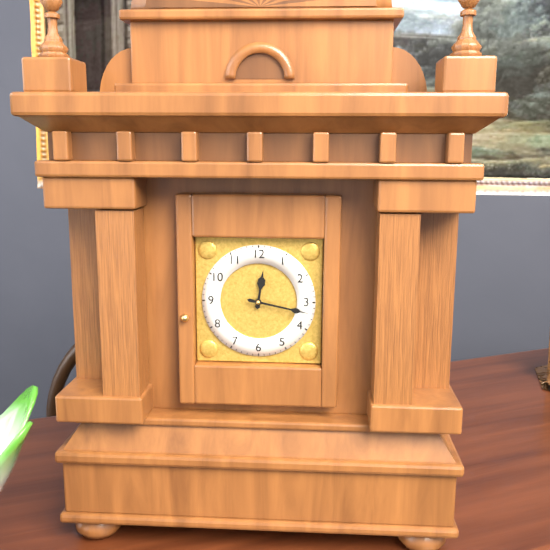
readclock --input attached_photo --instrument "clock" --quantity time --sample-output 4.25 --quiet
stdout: 12.17
